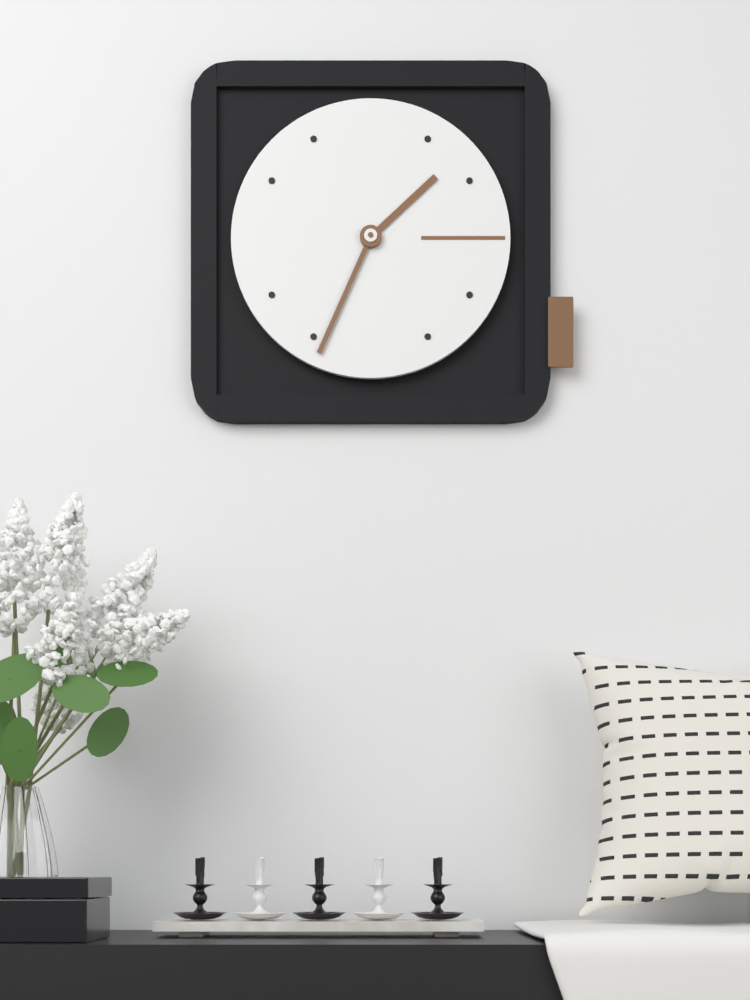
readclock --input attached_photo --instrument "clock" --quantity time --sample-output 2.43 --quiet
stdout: 1.34
